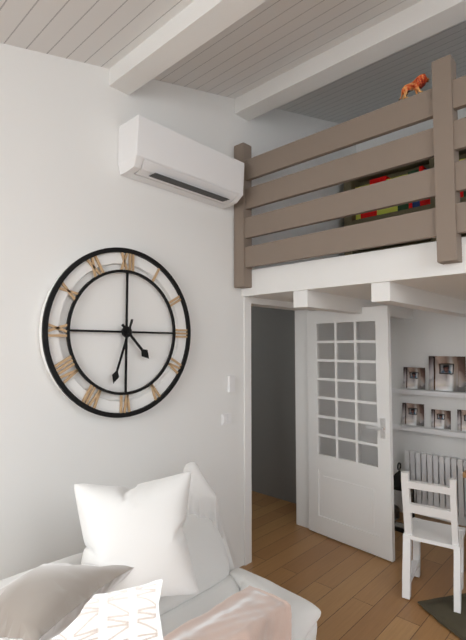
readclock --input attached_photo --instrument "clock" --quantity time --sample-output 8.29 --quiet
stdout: 4.33
